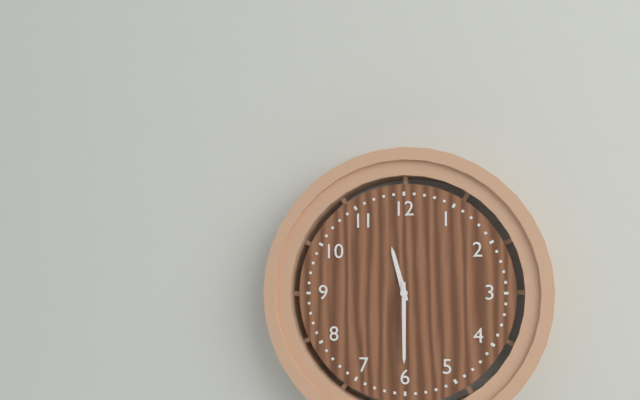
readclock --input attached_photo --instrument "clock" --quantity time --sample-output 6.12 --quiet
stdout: 11.30
